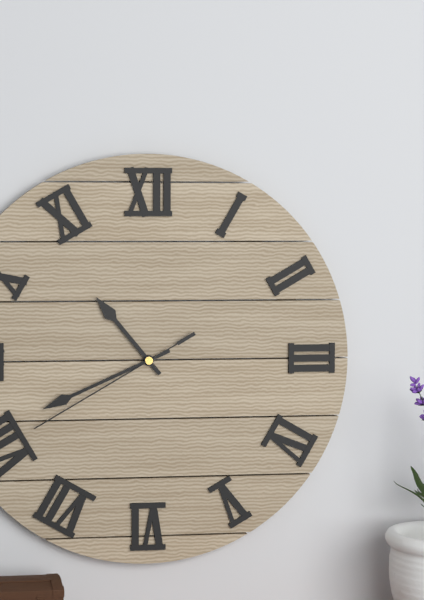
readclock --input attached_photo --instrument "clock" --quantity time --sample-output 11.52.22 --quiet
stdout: 10.41.40
